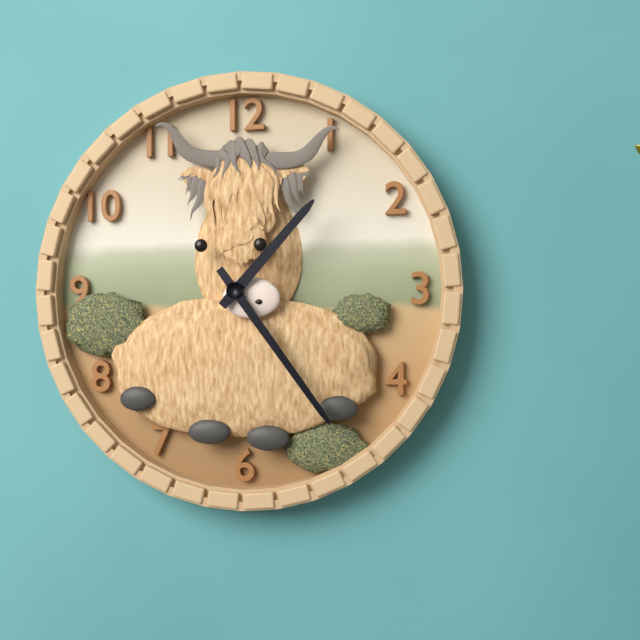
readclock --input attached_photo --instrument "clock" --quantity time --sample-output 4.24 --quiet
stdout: 1.24
